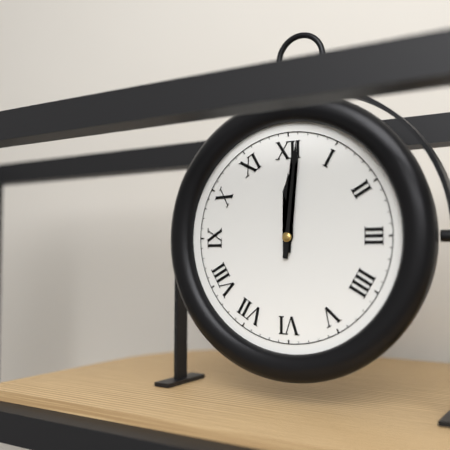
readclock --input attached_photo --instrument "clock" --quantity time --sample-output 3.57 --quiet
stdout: 12.01
